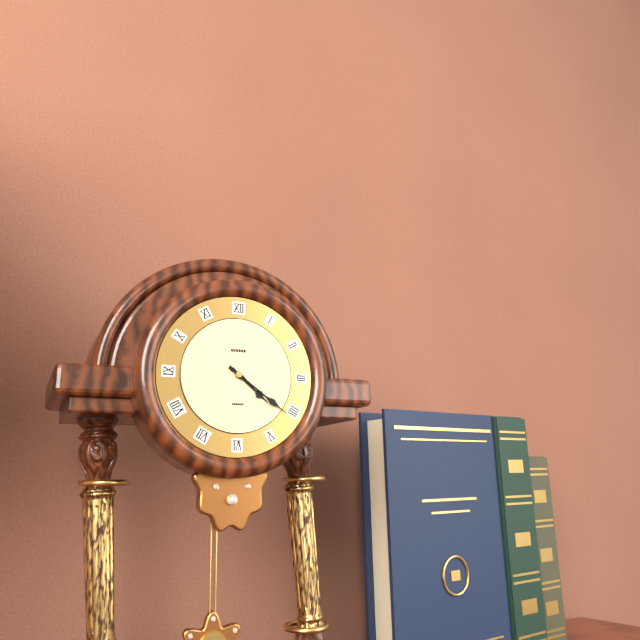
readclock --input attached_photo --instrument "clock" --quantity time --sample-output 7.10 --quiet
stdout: 4.21
